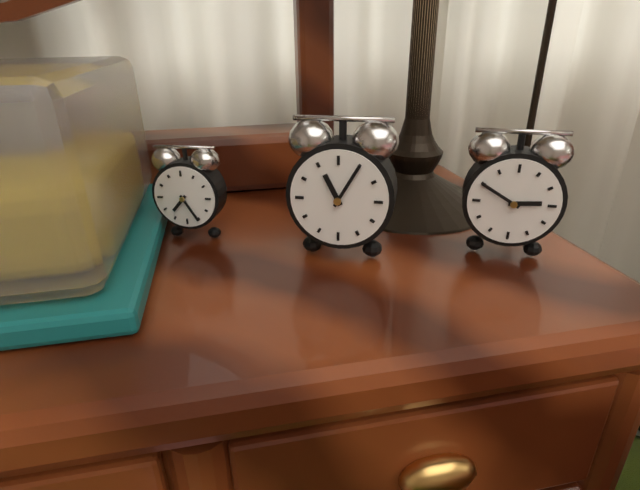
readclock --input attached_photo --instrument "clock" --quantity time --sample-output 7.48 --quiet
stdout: 11.05
